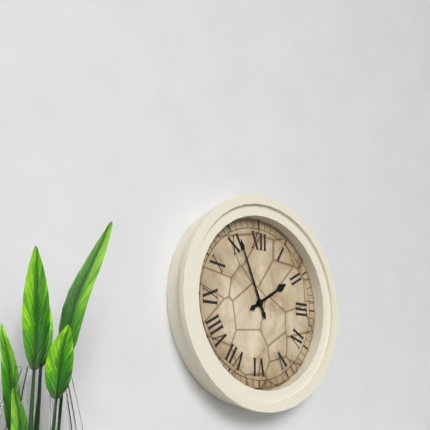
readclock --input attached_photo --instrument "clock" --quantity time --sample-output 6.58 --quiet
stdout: 1.56
